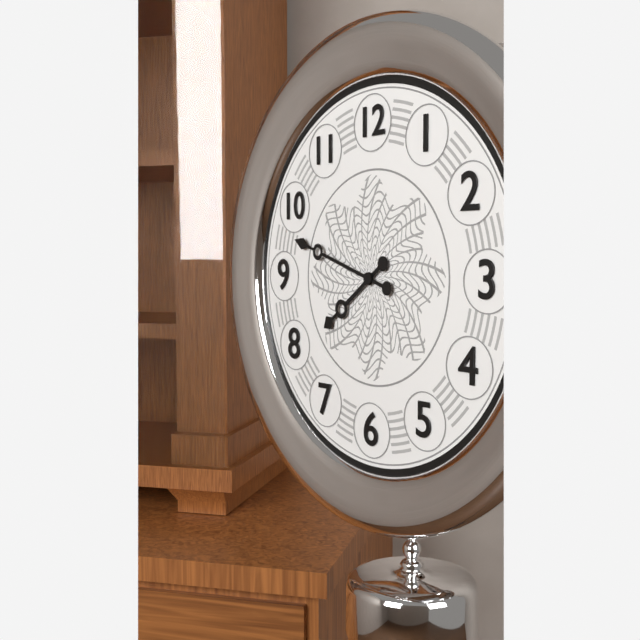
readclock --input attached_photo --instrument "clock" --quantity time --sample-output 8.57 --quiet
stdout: 7.48
